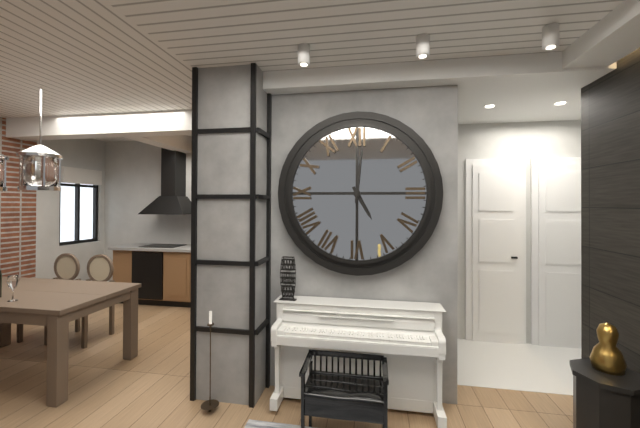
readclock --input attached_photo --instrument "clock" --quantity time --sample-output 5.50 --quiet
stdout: 5.01
